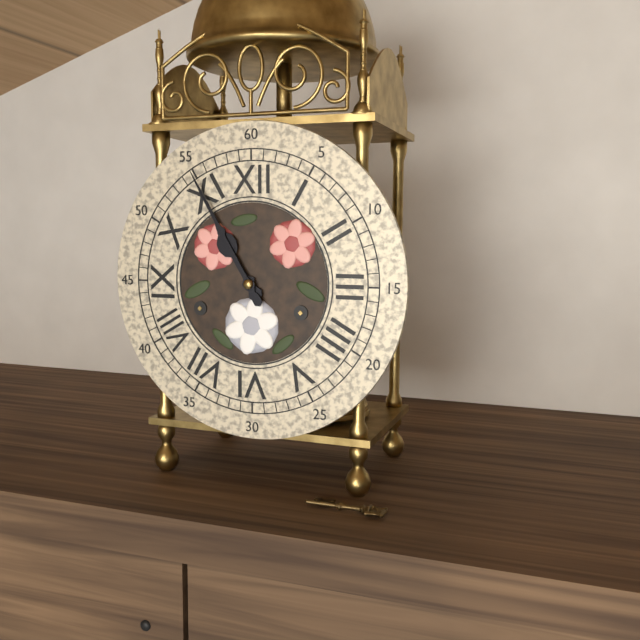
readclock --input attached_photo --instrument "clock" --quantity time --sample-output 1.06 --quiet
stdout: 10.55
